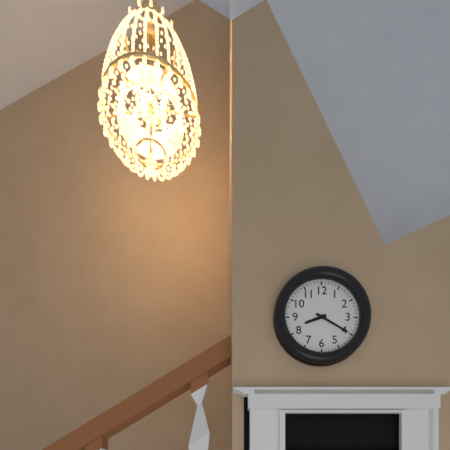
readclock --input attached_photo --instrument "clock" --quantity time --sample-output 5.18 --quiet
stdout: 8.20
